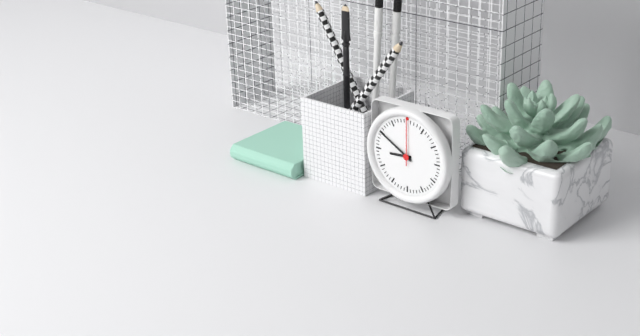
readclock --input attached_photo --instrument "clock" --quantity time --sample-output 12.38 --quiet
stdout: 8.50
